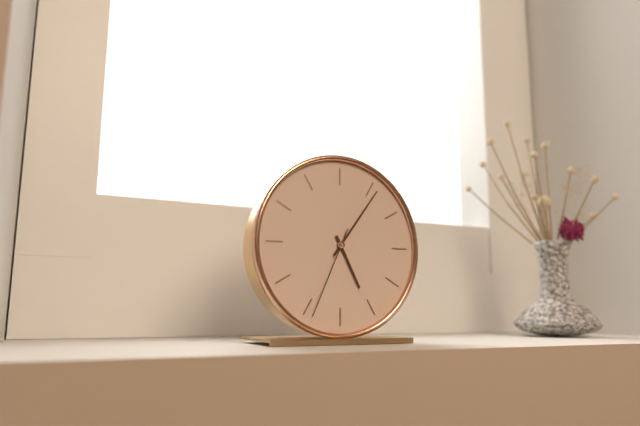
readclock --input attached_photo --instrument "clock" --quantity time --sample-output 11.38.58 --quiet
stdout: 5.06.34
